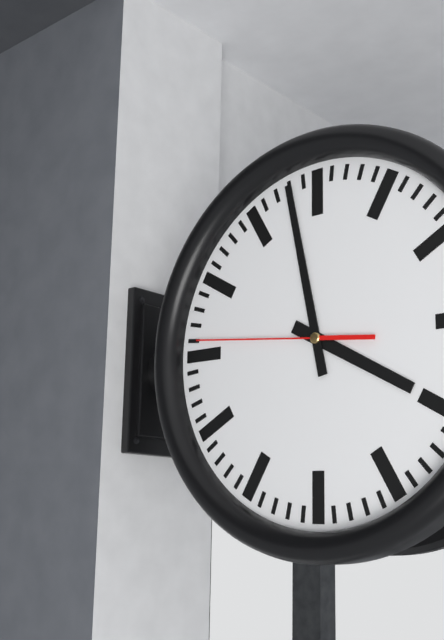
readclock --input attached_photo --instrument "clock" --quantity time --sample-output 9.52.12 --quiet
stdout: 3.58.46
